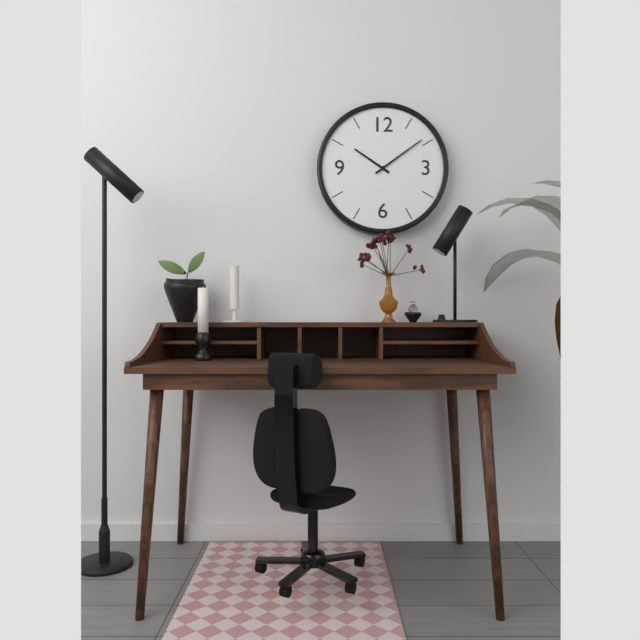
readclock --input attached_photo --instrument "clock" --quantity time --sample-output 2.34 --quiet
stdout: 10.09
